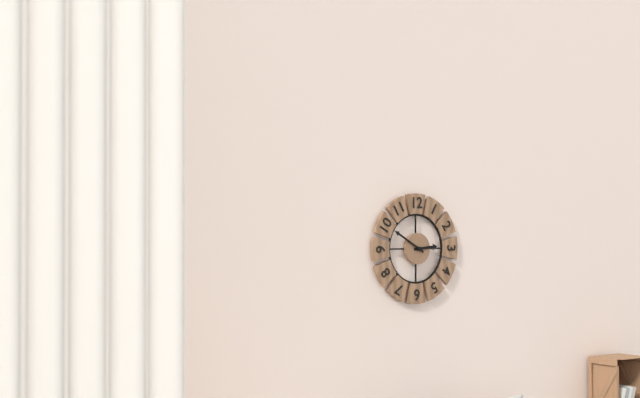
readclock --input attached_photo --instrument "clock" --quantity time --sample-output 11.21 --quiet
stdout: 2.50
